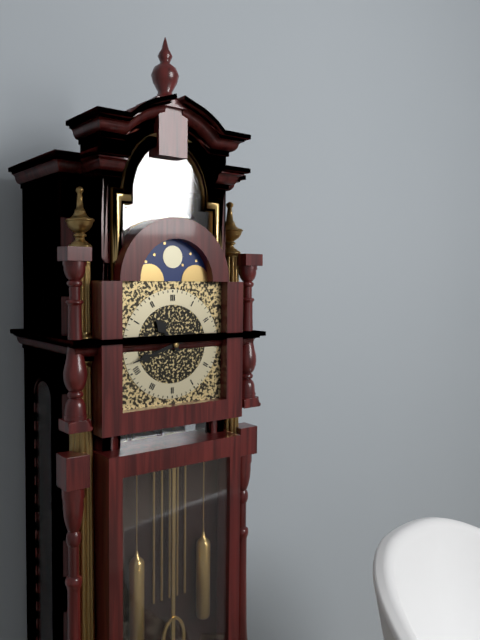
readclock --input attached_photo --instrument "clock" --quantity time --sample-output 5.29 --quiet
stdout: 10.42
